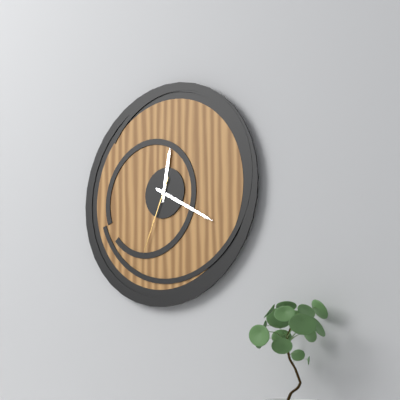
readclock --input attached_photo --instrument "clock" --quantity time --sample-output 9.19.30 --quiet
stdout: 12.20.34
